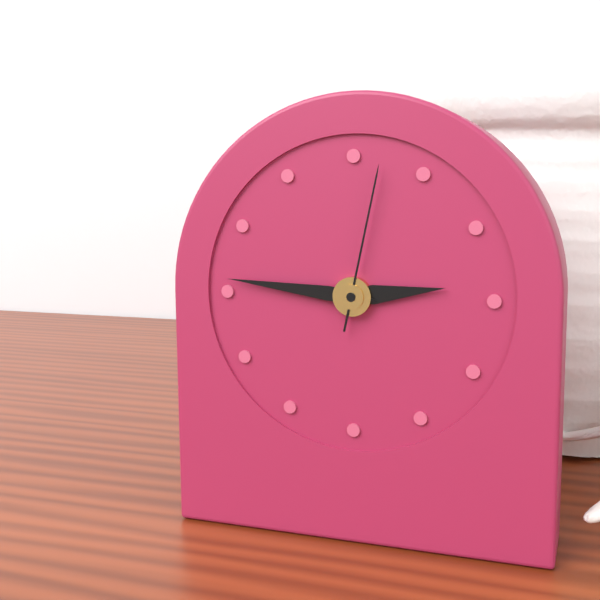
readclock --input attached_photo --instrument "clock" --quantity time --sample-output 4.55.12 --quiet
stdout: 2.46.02
